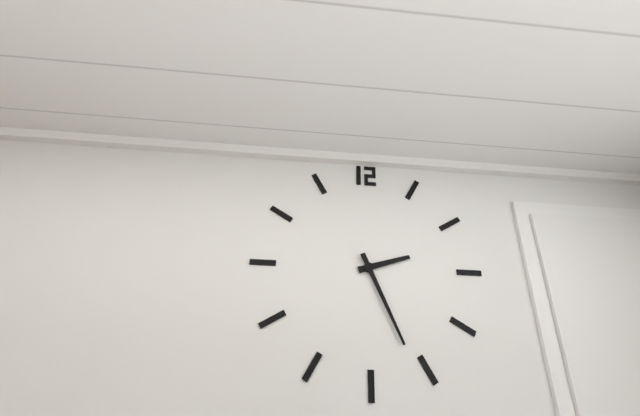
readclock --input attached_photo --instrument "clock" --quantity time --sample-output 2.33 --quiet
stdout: 2.26
